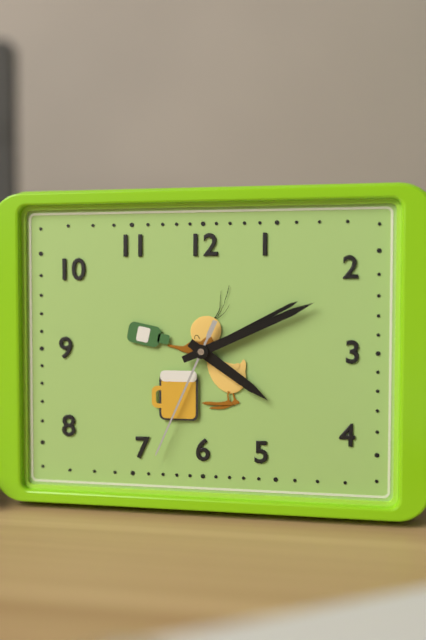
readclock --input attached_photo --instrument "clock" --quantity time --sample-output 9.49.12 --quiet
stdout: 4.11.34
